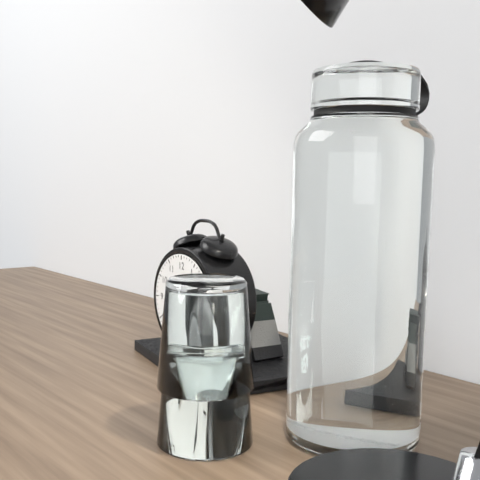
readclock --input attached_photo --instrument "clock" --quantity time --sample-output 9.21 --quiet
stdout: 7.40
